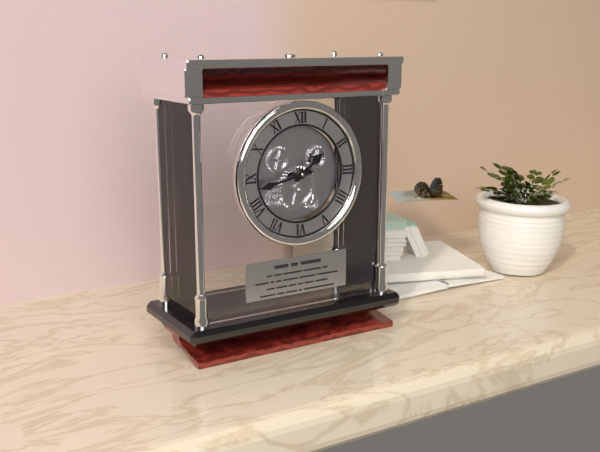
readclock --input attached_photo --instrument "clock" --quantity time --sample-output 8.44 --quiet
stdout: 1.43
